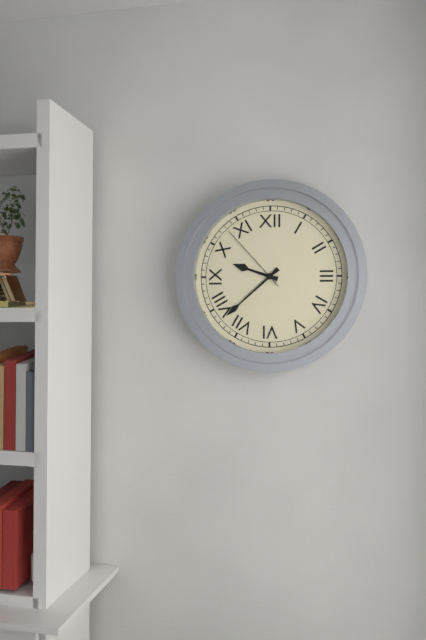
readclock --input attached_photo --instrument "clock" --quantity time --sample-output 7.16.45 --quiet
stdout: 9.38.53
